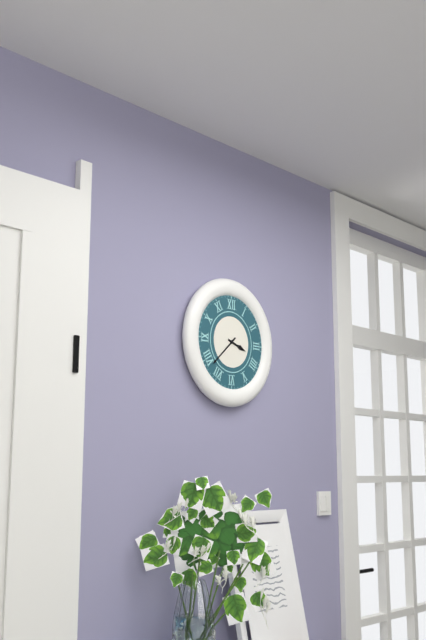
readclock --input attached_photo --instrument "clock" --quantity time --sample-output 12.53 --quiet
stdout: 3.38
